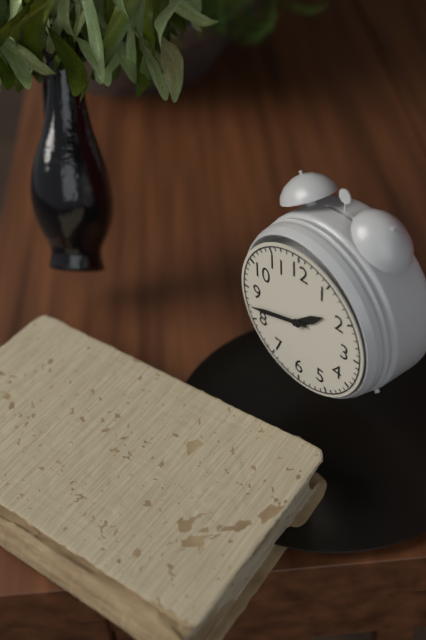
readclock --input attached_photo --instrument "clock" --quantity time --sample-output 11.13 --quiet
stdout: 1.42
